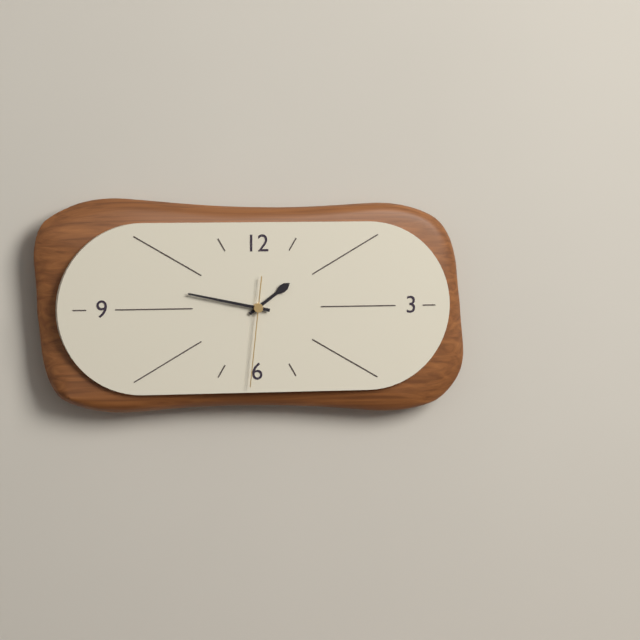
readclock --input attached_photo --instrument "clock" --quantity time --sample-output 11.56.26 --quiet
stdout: 1.47.31
